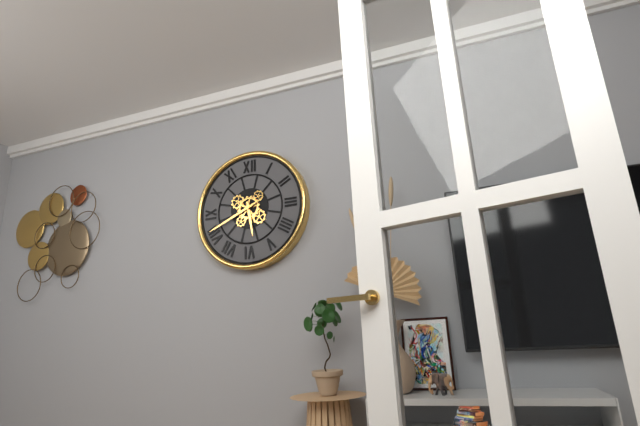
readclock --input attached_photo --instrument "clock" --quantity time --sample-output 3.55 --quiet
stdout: 5.41
